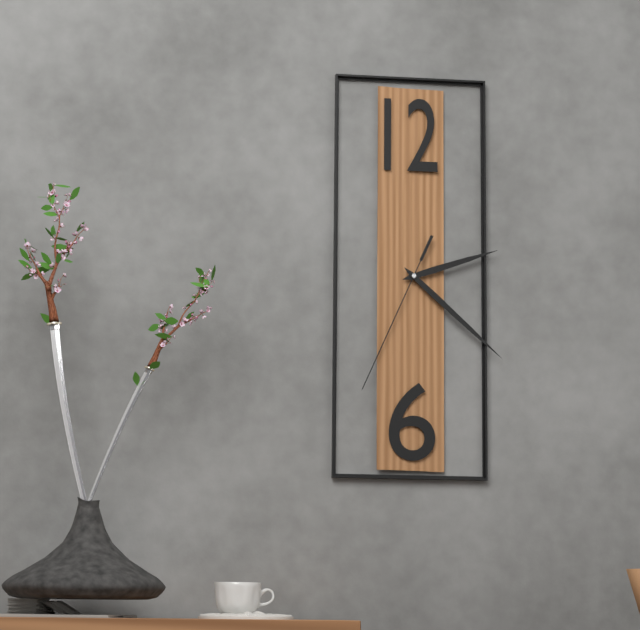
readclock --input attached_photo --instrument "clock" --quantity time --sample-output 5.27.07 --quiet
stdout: 2.22.34
